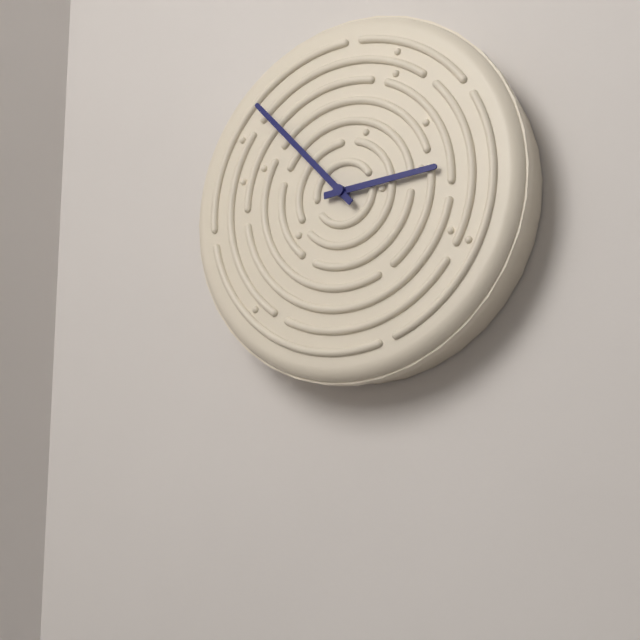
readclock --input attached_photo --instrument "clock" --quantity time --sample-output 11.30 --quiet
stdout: 2.53
